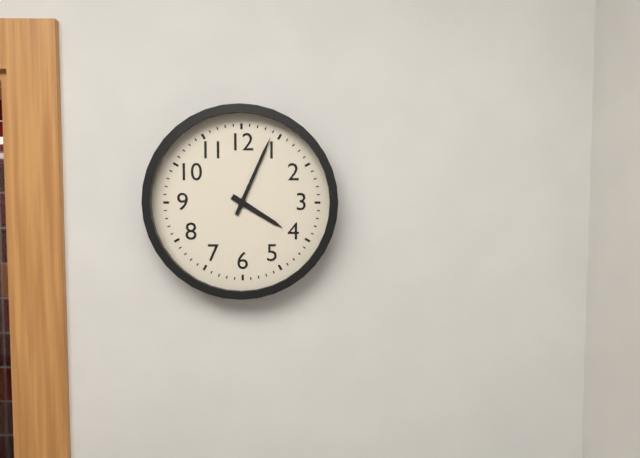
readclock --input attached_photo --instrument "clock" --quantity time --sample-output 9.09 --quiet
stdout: 4.04
